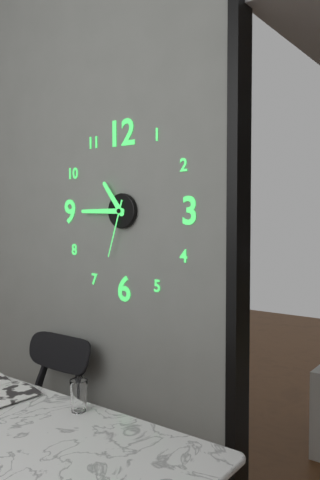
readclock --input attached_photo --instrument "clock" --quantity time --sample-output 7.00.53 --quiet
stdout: 10.45.33
